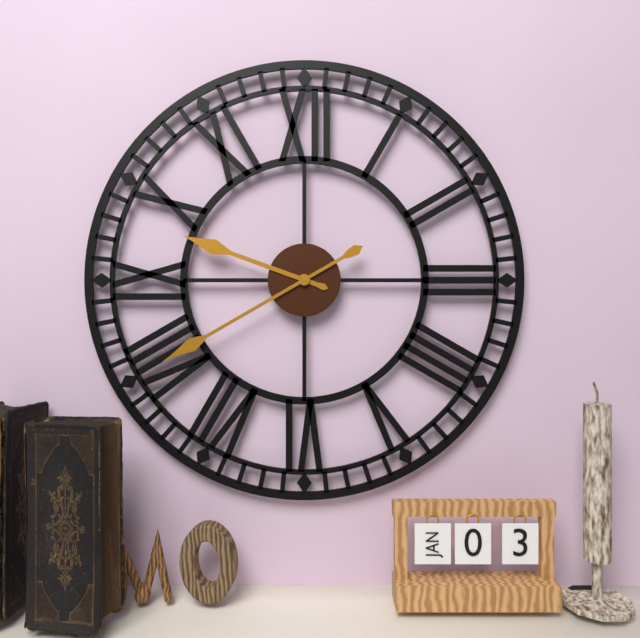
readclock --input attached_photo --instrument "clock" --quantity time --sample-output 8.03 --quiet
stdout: 9.40
